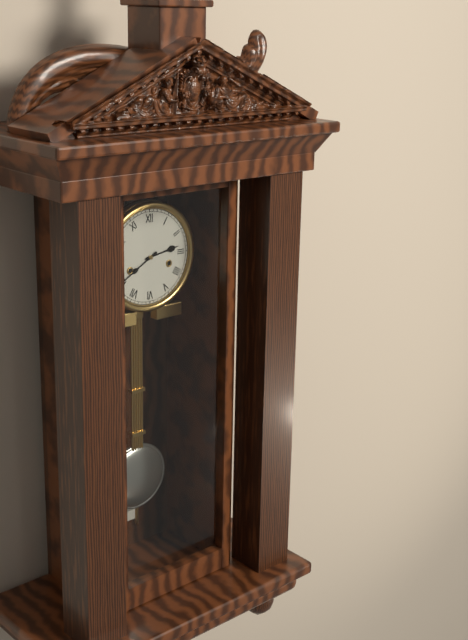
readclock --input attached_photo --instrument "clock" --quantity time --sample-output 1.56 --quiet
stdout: 2.40
